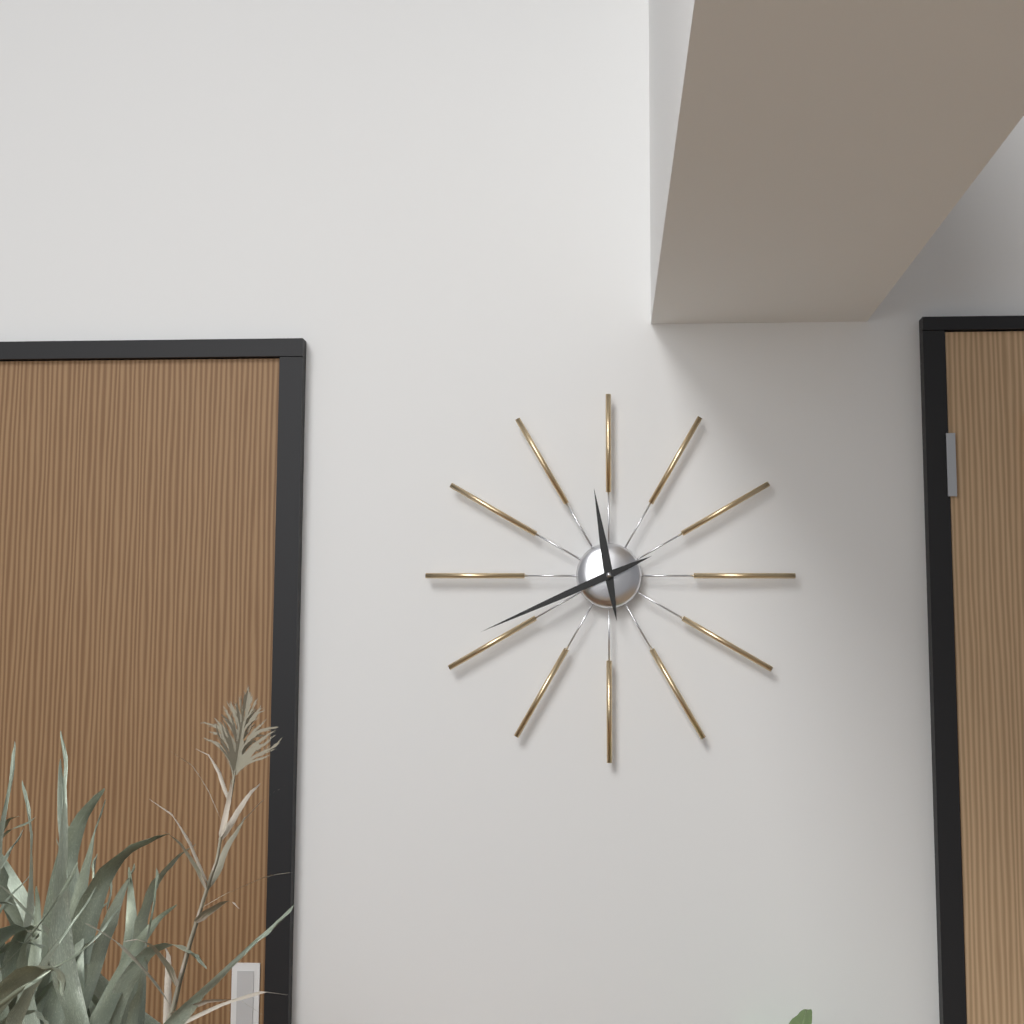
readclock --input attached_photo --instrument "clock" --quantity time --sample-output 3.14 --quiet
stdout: 11.41
